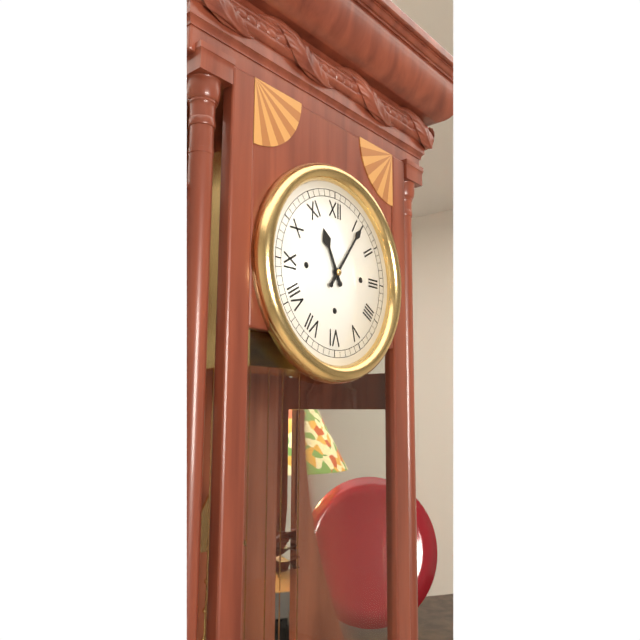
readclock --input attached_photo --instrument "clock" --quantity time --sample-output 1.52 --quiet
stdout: 11.06
